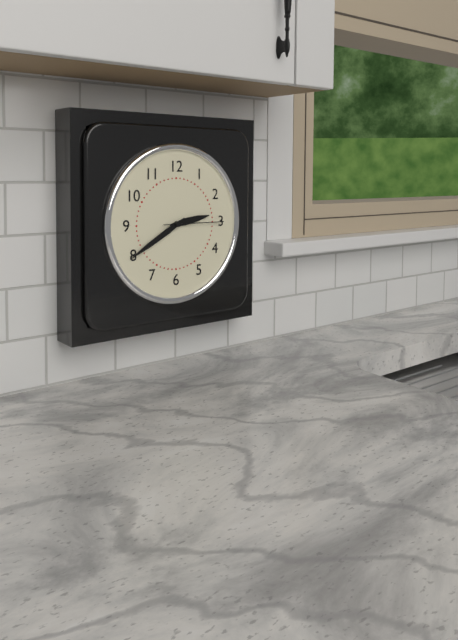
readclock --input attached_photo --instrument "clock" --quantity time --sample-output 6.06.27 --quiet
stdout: 2.40.15
